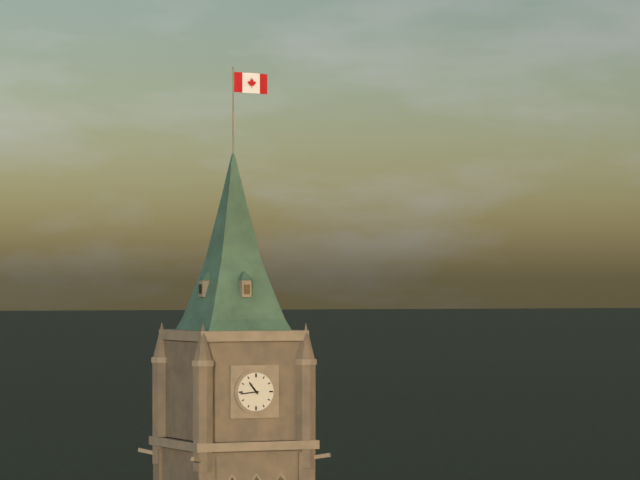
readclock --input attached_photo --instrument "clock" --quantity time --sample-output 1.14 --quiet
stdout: 10.44
